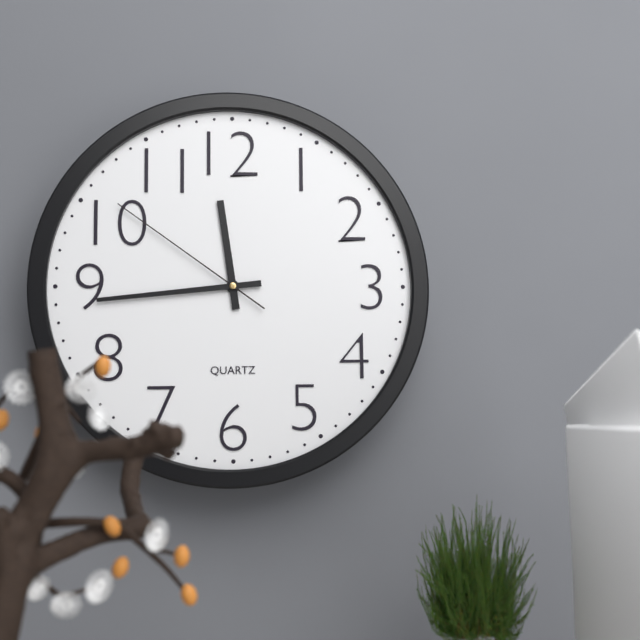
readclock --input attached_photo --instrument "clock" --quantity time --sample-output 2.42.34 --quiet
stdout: 11.44.51
